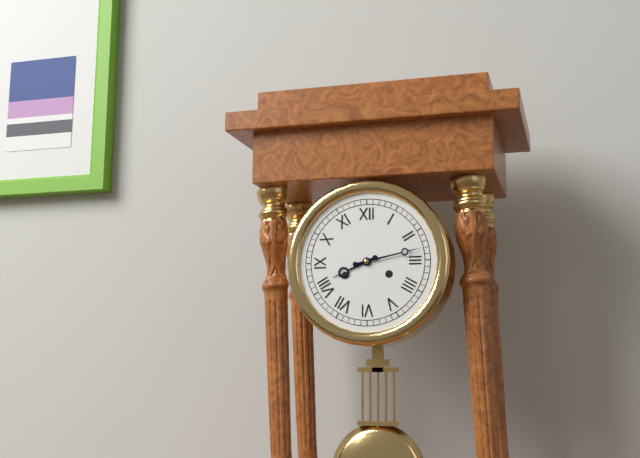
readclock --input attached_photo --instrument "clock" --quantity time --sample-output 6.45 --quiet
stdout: 8.13
